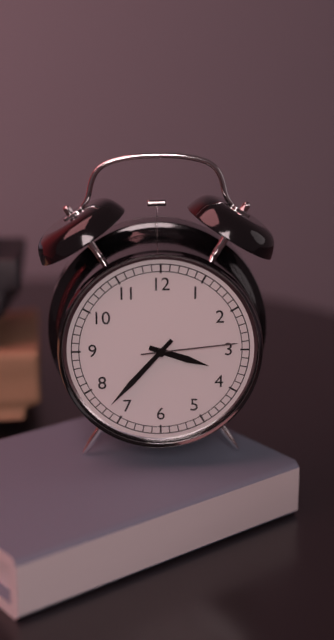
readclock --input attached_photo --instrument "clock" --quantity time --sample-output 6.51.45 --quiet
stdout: 3.37.14
